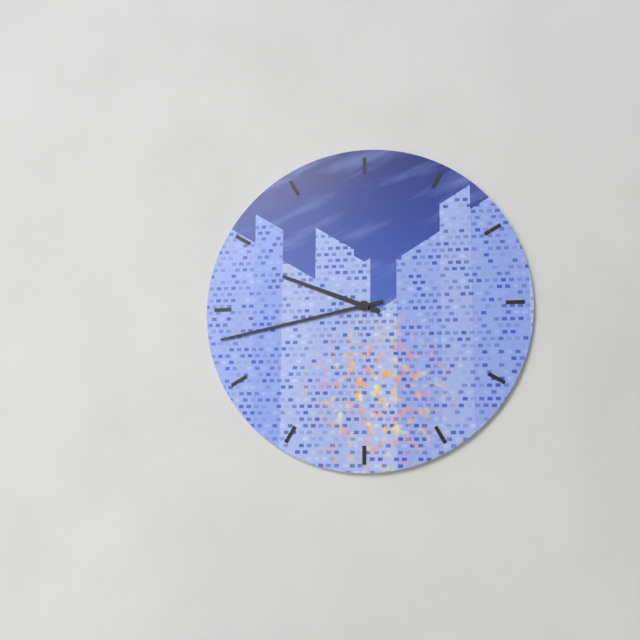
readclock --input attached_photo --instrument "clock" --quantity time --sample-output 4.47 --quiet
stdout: 9.43
